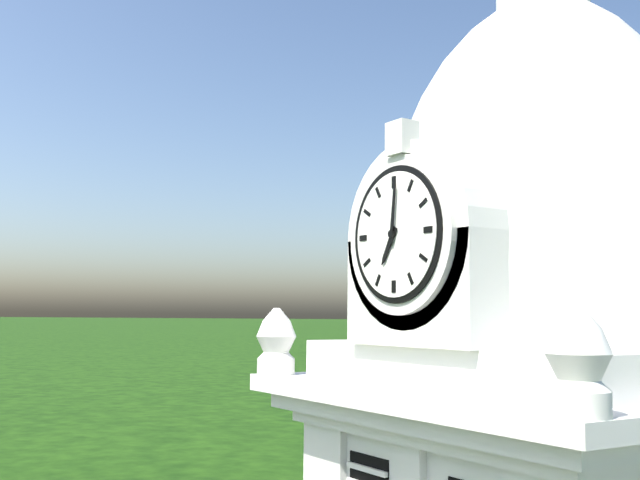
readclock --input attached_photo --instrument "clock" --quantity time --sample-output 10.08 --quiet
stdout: 7.01
